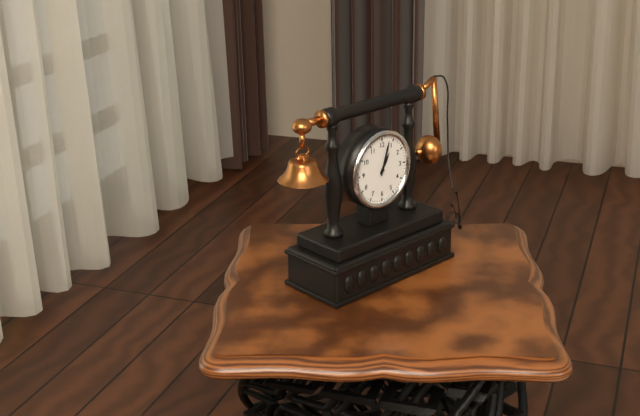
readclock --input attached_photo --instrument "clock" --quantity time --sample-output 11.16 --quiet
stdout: 1.03
